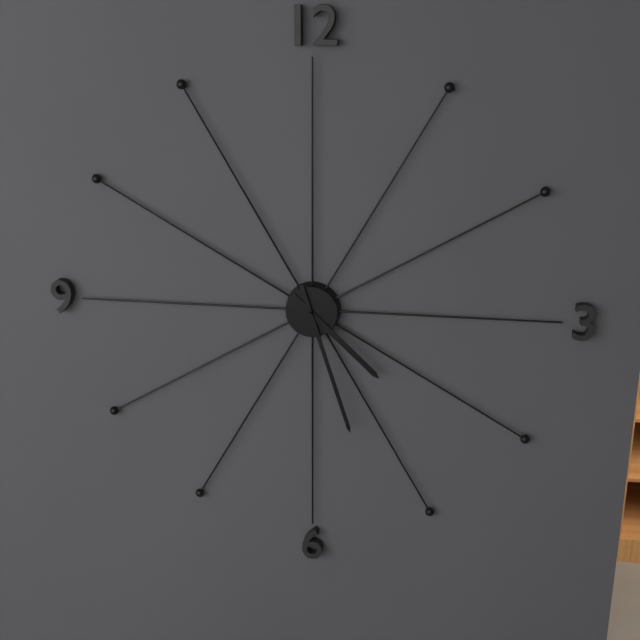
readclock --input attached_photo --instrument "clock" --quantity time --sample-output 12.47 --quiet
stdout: 4.27
